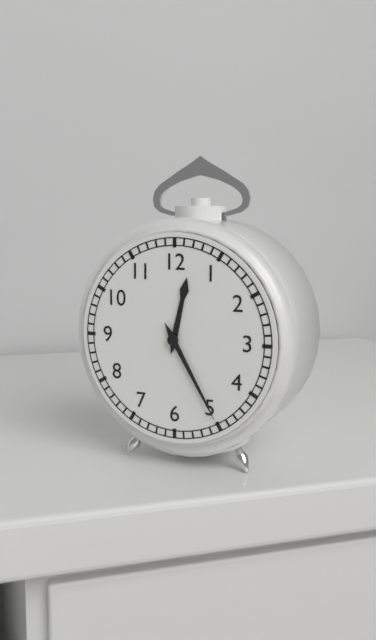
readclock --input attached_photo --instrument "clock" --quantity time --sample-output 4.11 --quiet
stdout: 12.25
